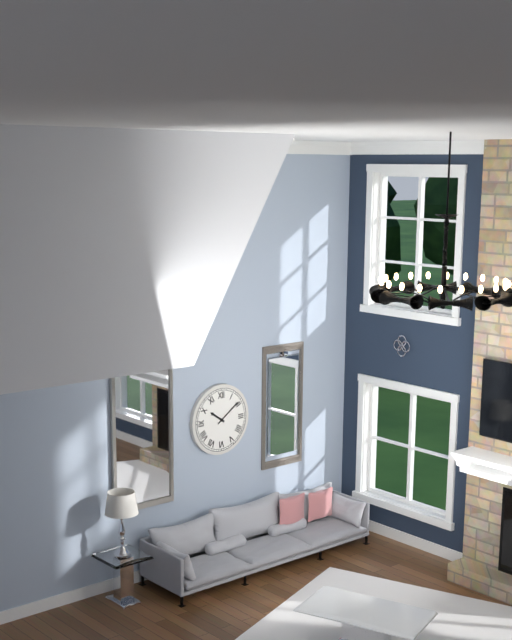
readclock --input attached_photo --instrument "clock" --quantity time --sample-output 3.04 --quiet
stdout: 10.09
